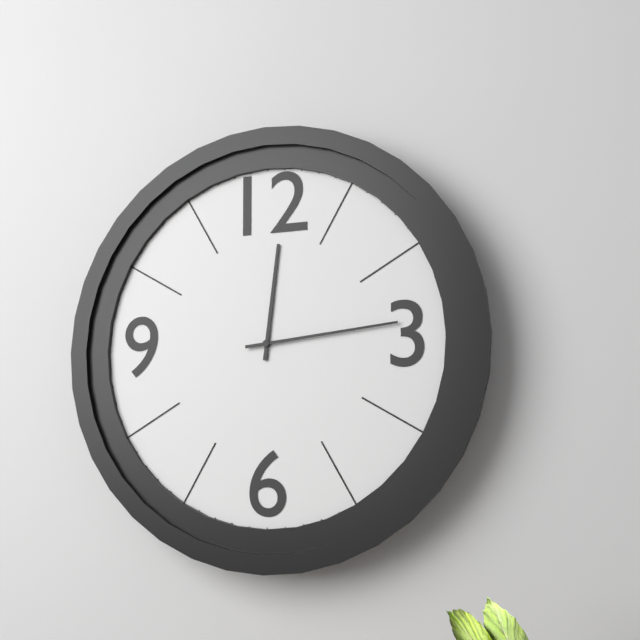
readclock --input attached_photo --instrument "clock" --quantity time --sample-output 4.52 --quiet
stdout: 12.14
